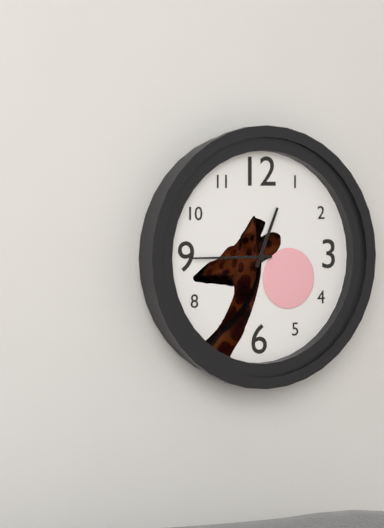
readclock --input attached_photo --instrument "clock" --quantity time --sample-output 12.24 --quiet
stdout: 12.45
